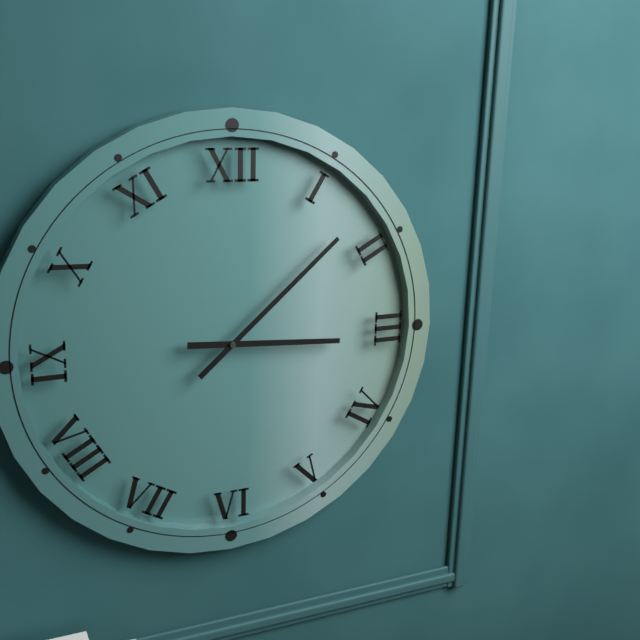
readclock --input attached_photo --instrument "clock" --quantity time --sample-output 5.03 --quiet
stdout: 3.08
